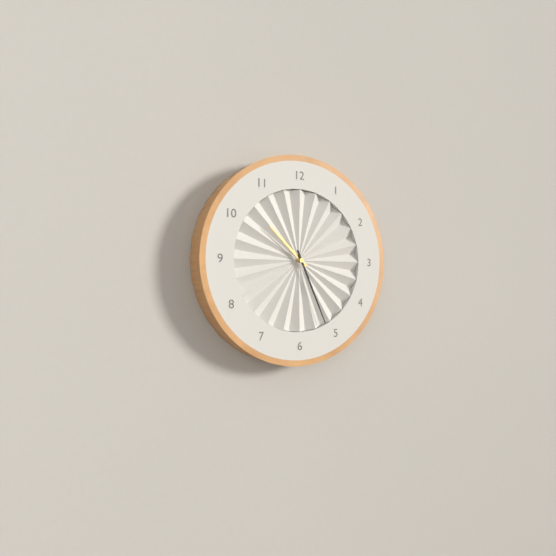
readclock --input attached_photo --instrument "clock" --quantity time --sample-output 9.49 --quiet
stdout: 10.26
